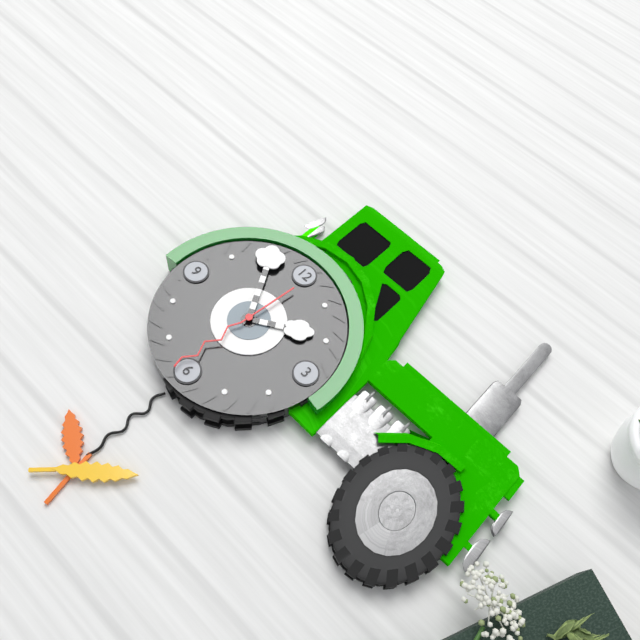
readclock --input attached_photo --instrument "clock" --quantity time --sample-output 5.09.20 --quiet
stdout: 1.55.31
